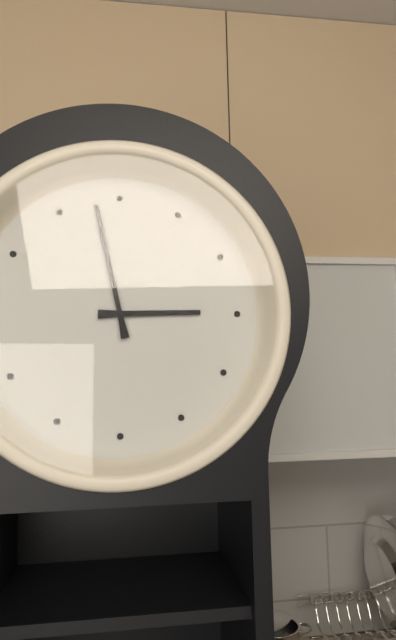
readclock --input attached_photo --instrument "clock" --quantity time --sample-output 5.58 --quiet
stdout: 2.58
